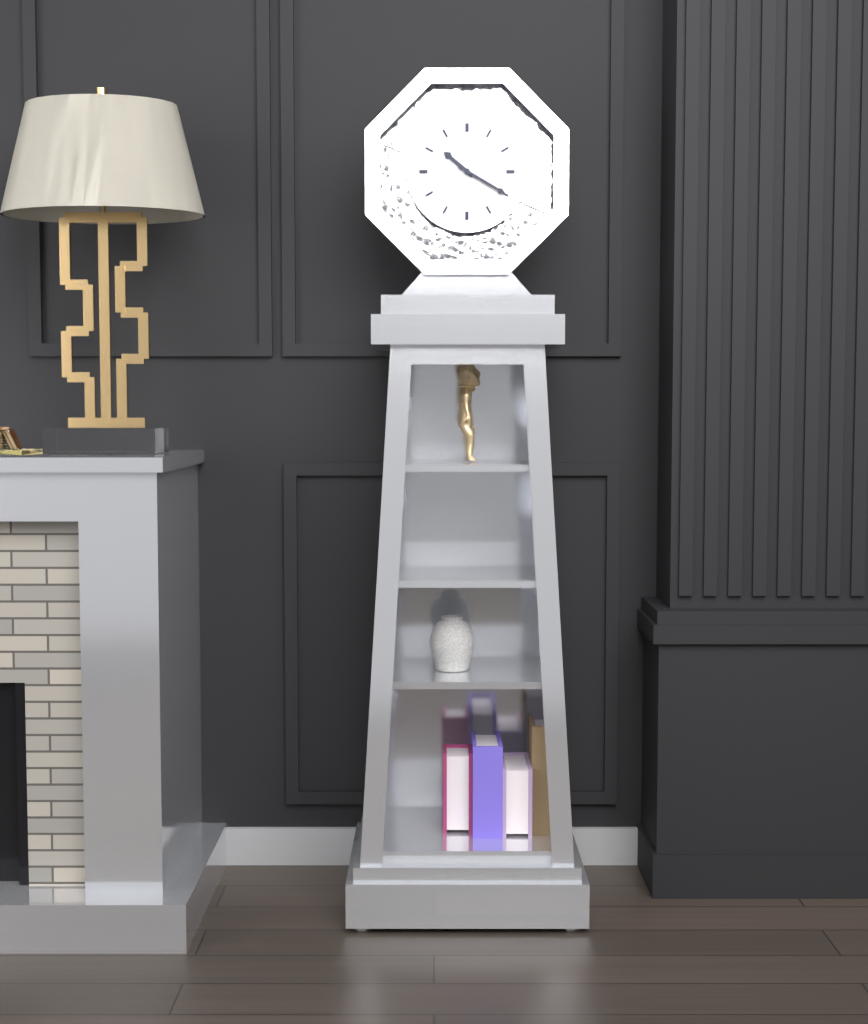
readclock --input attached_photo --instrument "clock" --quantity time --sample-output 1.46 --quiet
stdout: 10.20
